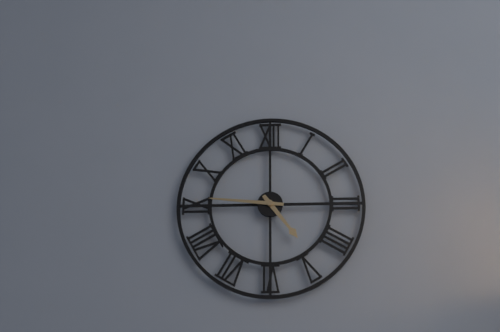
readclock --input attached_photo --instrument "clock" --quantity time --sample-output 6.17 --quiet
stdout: 4.46
